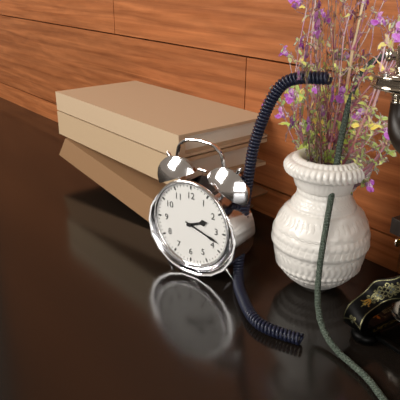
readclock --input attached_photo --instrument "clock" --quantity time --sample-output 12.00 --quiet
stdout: 2.18
